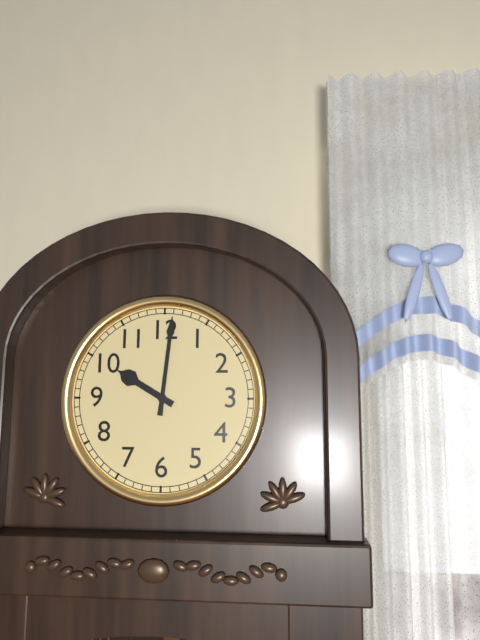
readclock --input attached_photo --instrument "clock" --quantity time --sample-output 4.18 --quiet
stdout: 10.01
